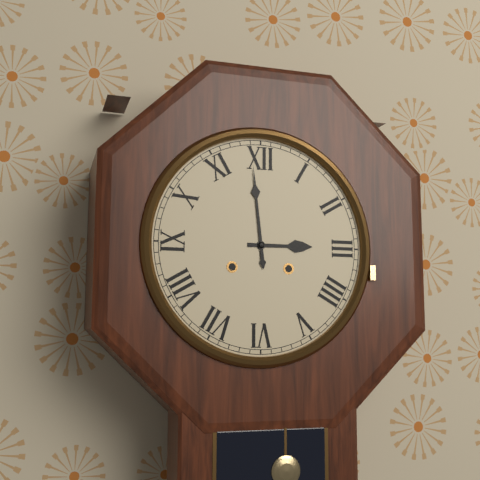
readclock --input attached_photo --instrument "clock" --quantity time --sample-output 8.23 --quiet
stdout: 2.59
